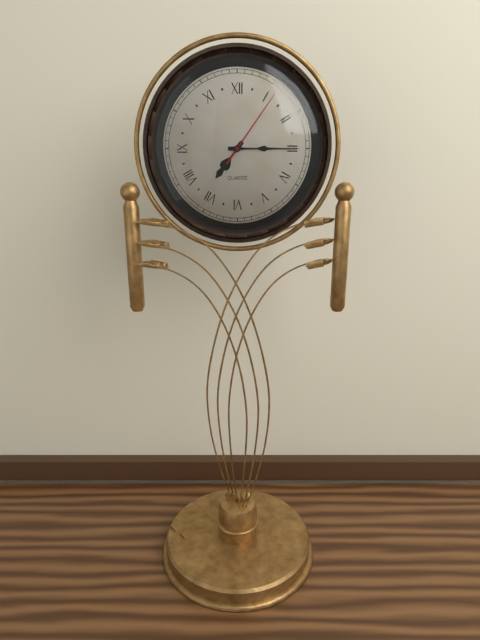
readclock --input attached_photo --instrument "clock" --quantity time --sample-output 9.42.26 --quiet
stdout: 7.15.06
